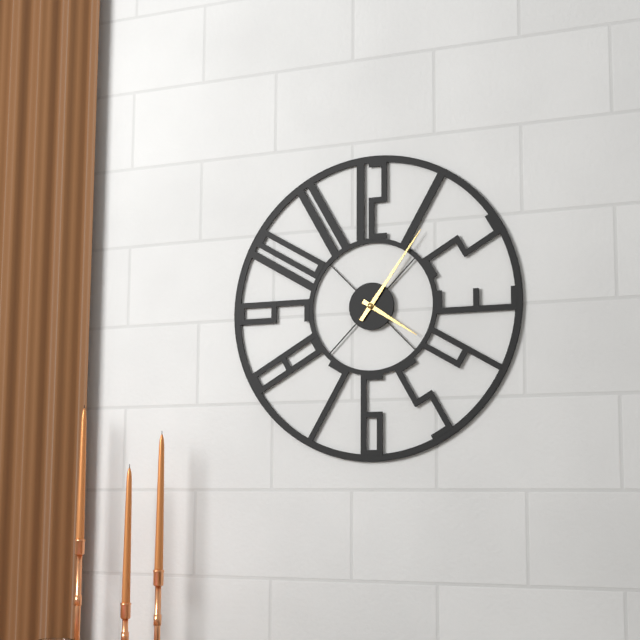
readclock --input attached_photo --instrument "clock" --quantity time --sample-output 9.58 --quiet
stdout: 4.06
